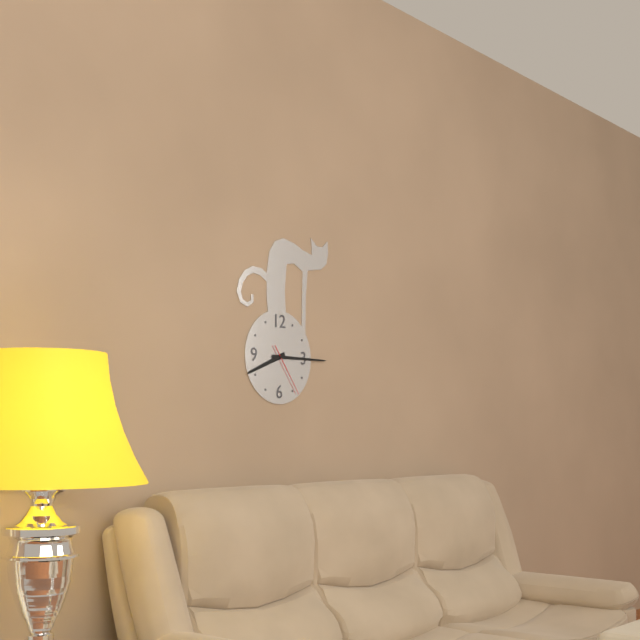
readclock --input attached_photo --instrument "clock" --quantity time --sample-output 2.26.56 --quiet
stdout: 8.15.24
